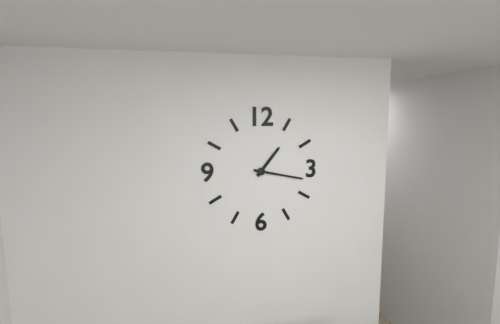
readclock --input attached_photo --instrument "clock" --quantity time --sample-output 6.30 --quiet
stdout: 1.17
